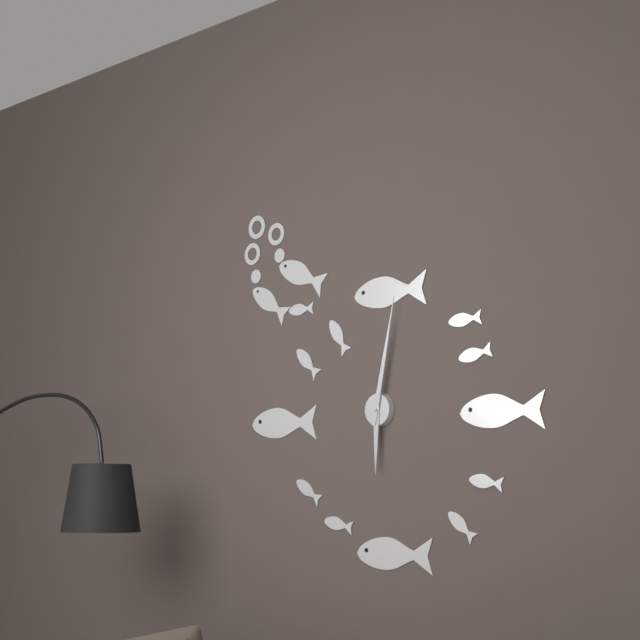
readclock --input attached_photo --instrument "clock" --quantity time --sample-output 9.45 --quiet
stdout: 6.02
